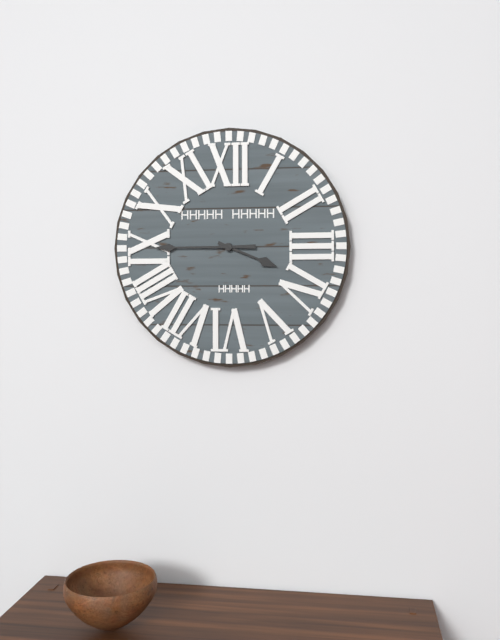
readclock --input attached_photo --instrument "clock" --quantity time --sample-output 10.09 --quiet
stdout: 3.45
